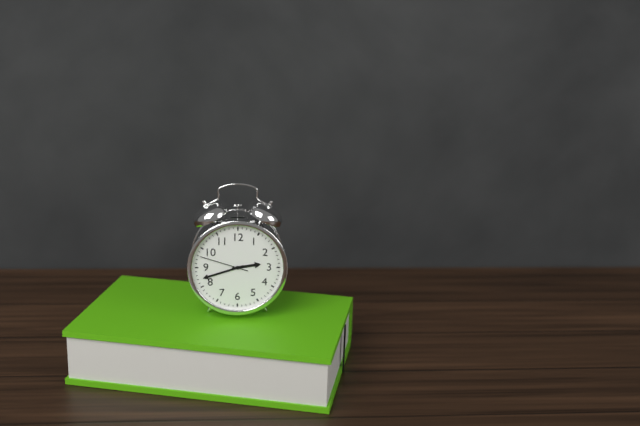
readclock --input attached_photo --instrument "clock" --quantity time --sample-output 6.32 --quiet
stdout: 2.42
